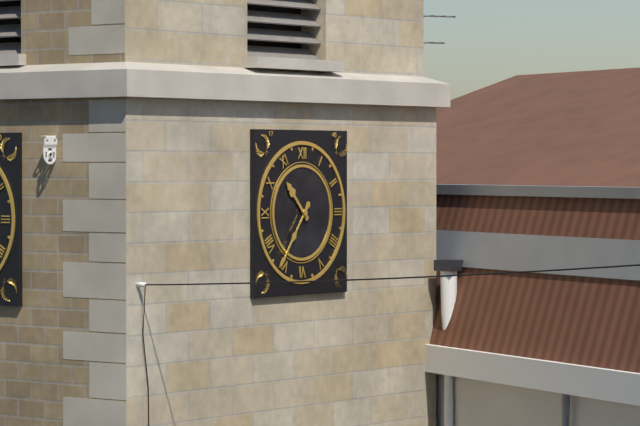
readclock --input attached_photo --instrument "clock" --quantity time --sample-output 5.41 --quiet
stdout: 10.36
